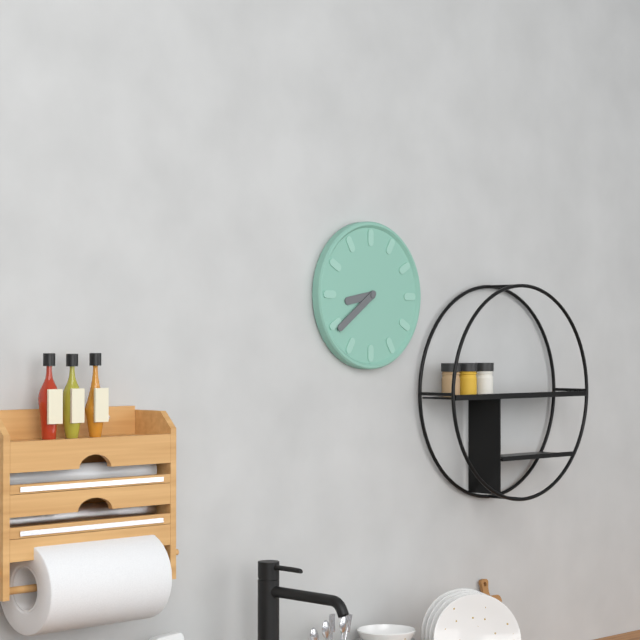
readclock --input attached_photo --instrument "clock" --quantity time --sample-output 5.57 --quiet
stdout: 8.39
